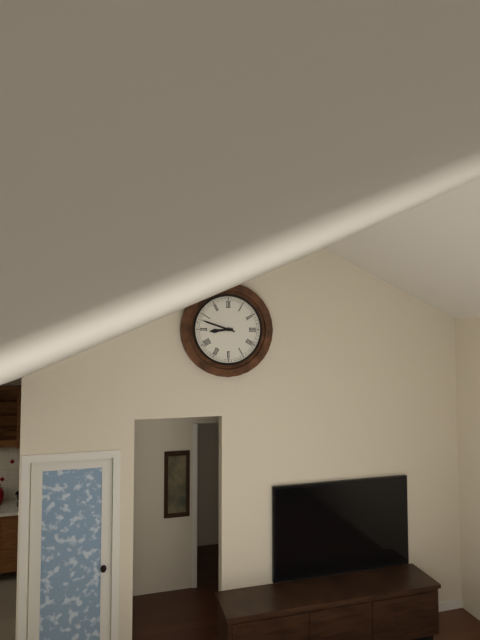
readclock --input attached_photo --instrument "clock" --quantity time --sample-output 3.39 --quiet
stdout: 8.48
